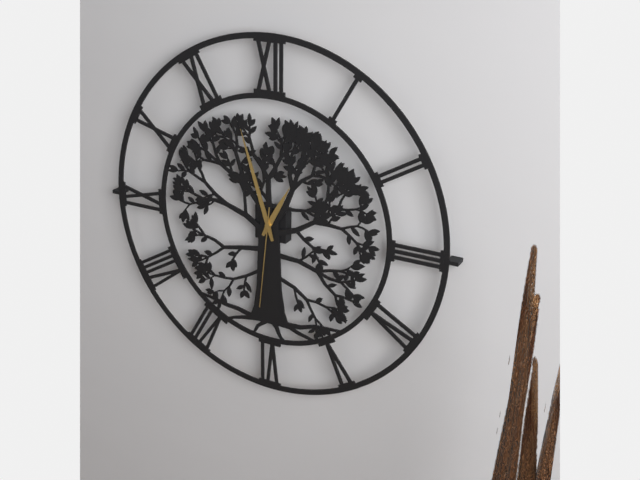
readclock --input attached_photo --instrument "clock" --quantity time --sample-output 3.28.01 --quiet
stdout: 12.57.31
